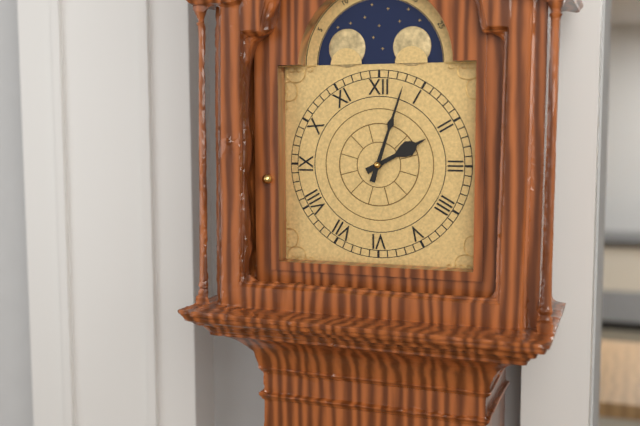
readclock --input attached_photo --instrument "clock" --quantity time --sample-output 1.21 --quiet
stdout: 2.03
